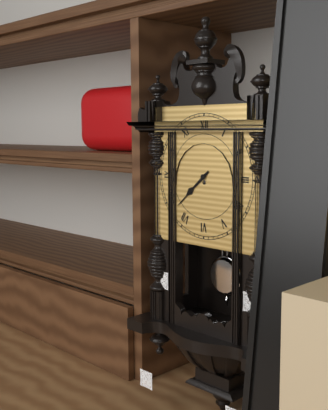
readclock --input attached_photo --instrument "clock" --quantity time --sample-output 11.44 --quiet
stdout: 7.38
